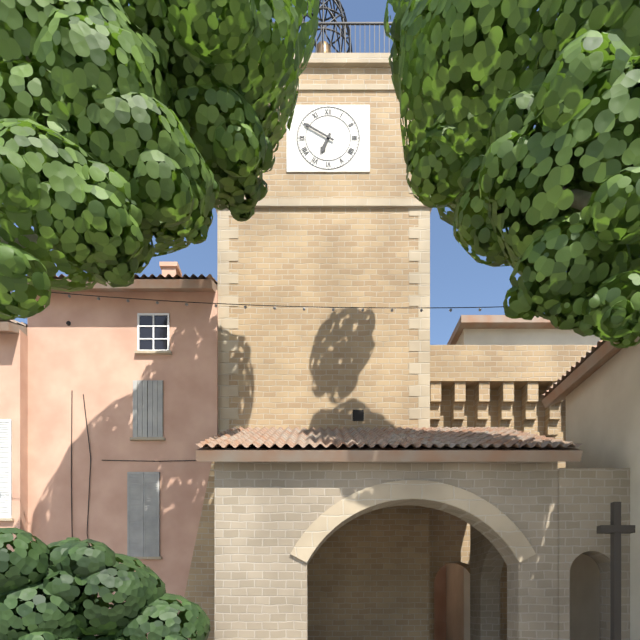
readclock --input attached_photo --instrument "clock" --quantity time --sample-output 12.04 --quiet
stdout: 6.50
